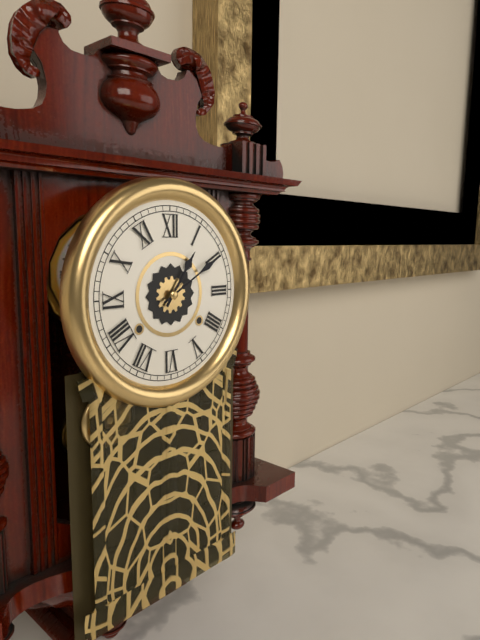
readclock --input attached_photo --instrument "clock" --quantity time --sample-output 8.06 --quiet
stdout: 1.10
